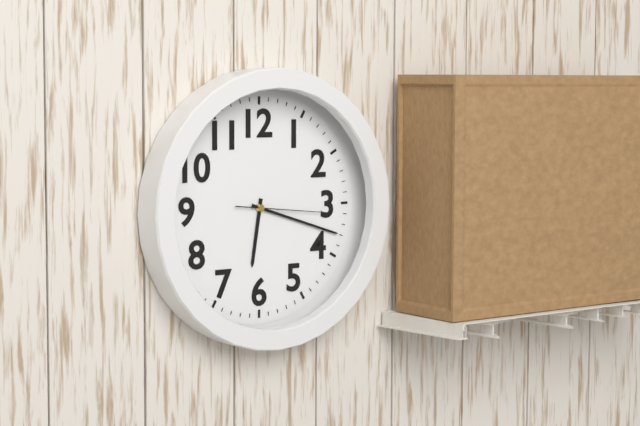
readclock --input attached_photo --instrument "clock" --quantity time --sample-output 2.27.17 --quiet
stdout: 6.18.16
